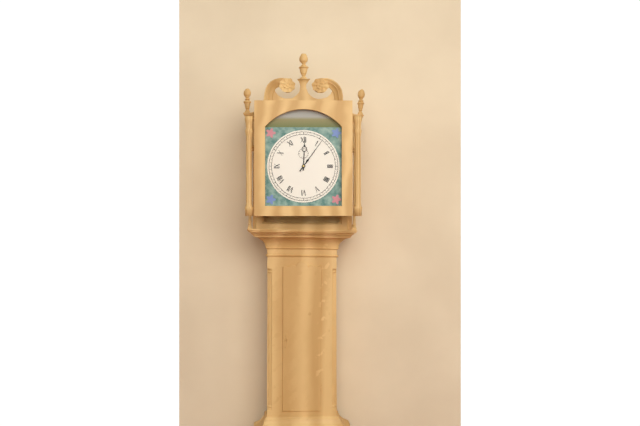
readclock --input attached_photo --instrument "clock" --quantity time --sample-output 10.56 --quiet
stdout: 12.06
